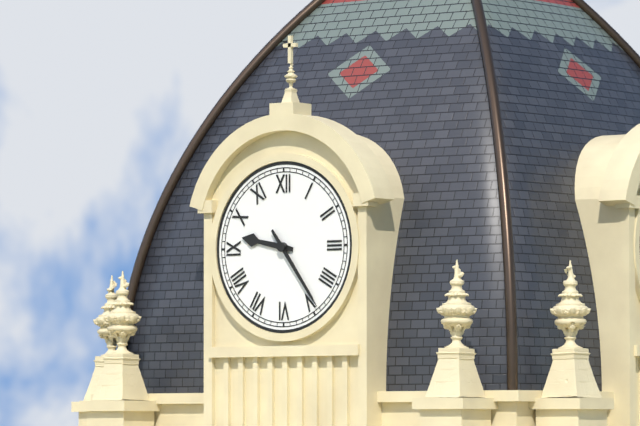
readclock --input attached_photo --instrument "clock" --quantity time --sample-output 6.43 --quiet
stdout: 9.24
